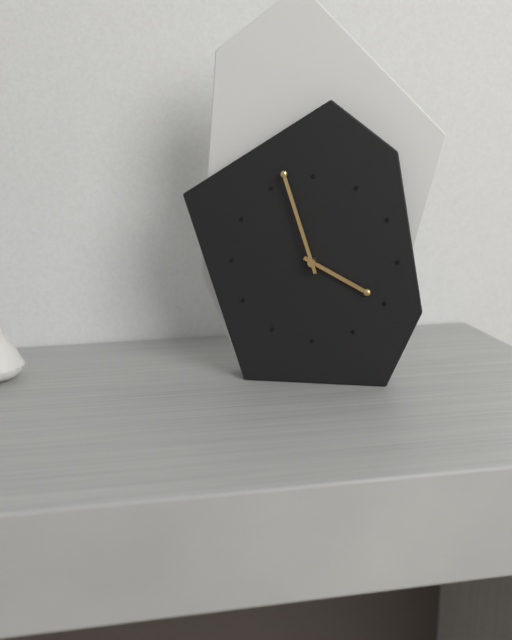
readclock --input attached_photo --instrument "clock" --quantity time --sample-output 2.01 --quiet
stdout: 3.57
